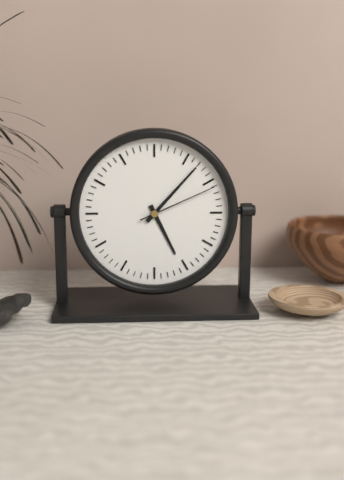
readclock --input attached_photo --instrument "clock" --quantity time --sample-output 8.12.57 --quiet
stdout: 5.07.11
